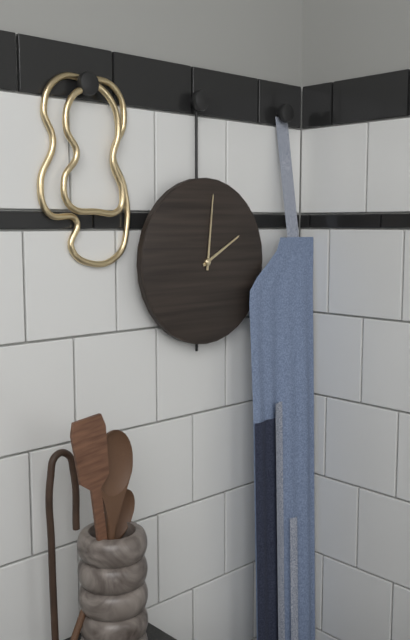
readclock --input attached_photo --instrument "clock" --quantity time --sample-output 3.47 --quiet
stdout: 2.01
